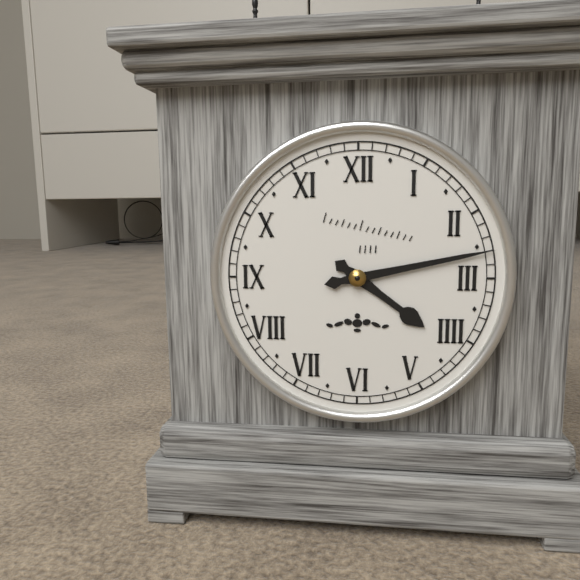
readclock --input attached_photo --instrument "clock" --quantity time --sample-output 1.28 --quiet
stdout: 4.13
